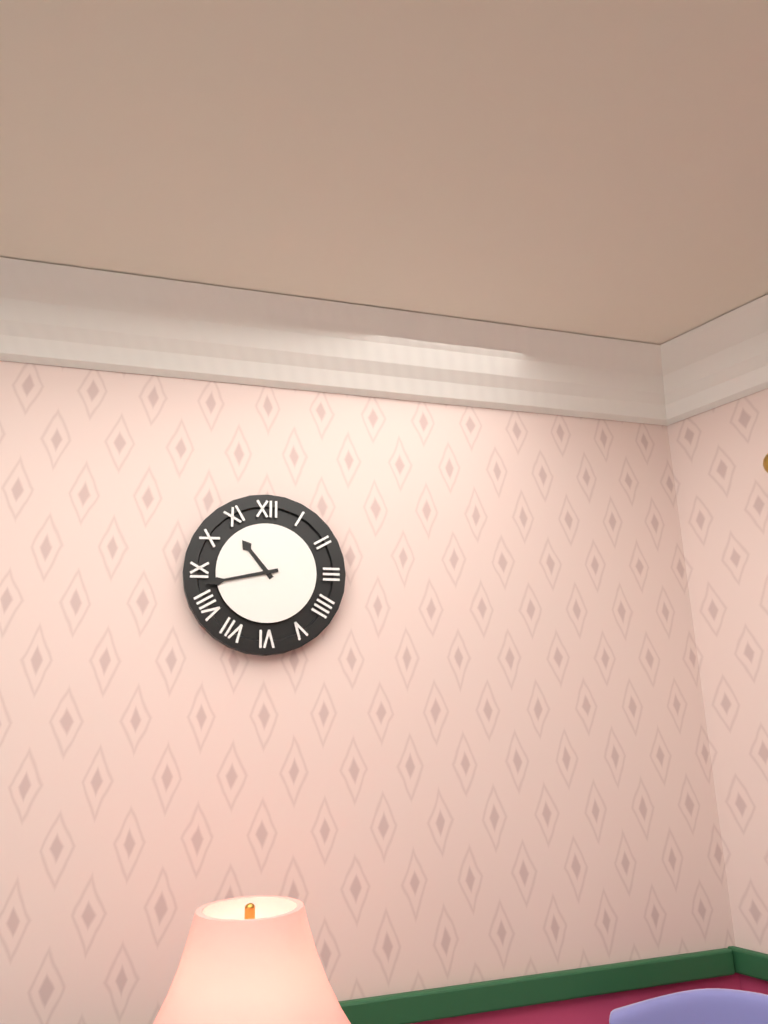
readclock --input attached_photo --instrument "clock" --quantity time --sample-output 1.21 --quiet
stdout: 10.43
